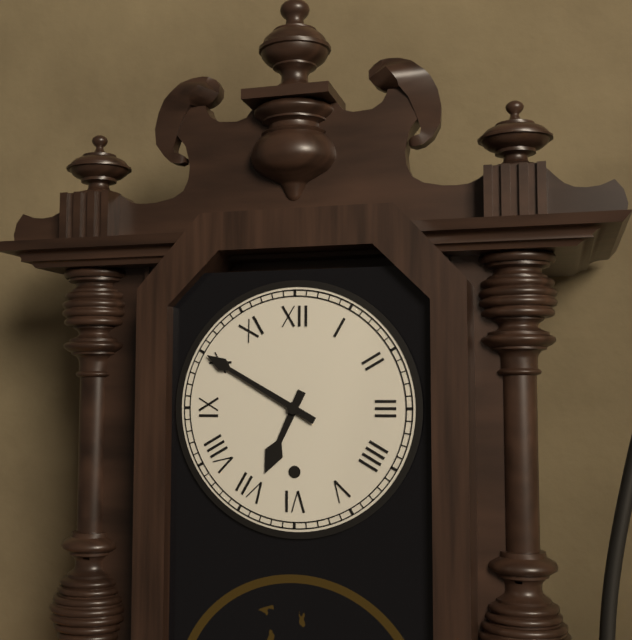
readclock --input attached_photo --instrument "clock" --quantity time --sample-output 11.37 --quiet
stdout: 6.50
